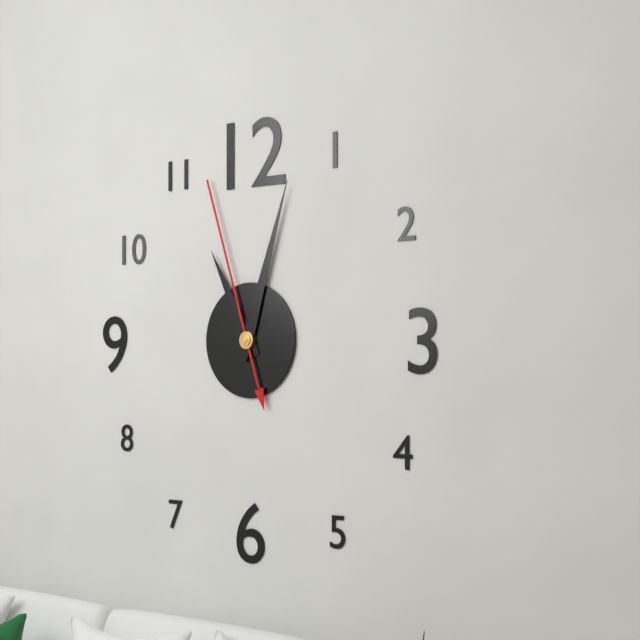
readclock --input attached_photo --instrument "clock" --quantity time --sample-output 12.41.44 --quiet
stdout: 11.03.57
